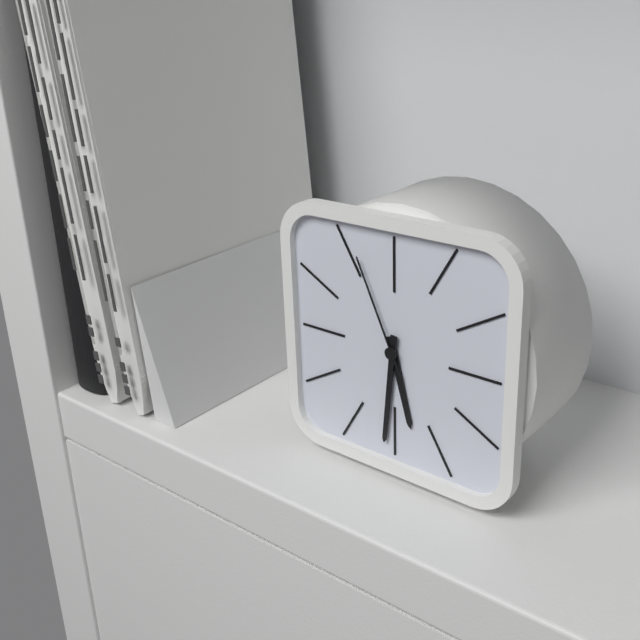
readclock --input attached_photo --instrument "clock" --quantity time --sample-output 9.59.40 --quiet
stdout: 5.31.56
